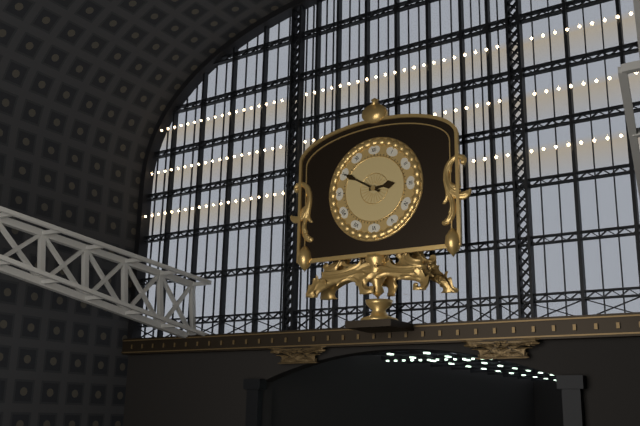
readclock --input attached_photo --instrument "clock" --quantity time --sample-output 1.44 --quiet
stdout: 2.50
